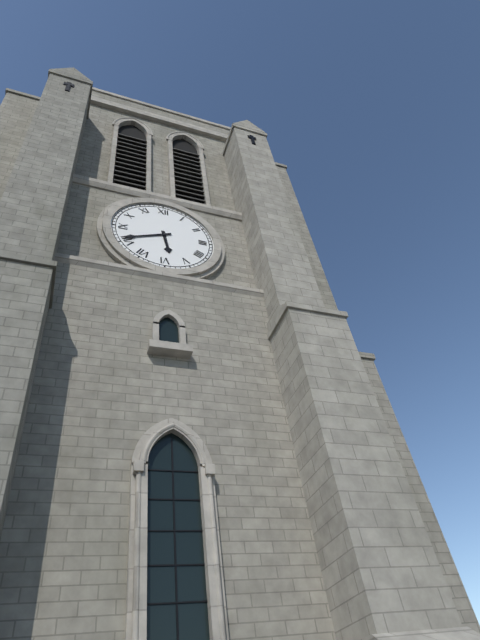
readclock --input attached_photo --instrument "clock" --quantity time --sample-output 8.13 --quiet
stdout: 5.41
